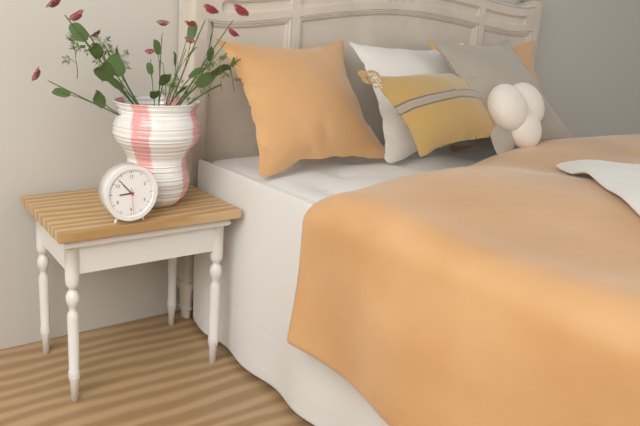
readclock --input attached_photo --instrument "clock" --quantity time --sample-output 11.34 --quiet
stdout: 8.53
